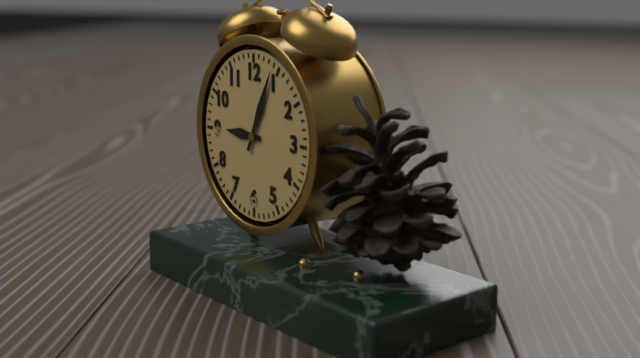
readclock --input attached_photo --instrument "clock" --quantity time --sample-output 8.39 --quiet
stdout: 9.04
